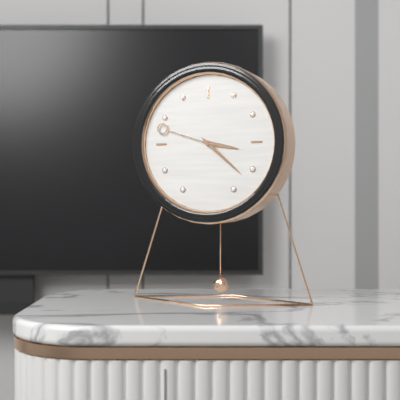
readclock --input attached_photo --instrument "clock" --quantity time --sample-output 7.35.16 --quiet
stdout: 3.22.48
